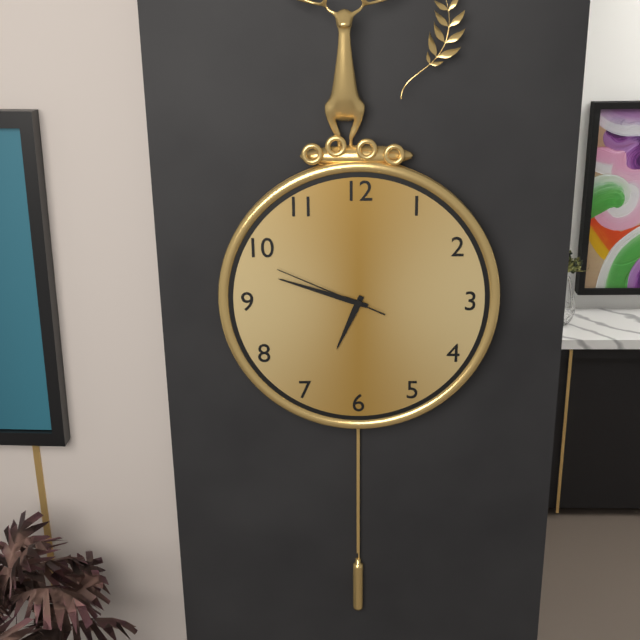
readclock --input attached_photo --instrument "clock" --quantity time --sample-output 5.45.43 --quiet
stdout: 6.48.49
